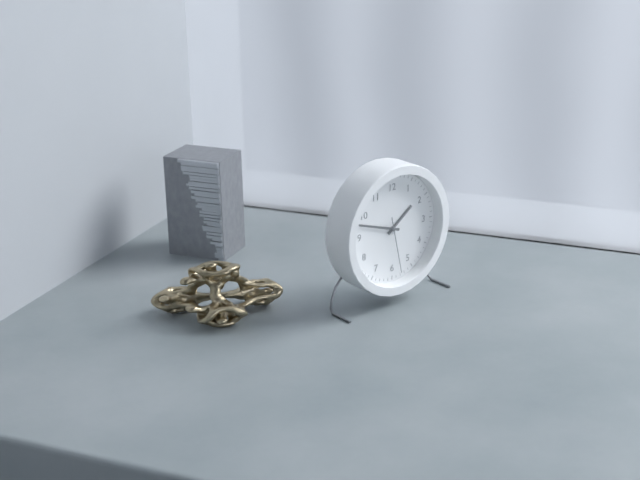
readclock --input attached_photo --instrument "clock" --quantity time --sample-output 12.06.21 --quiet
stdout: 1.48.28
